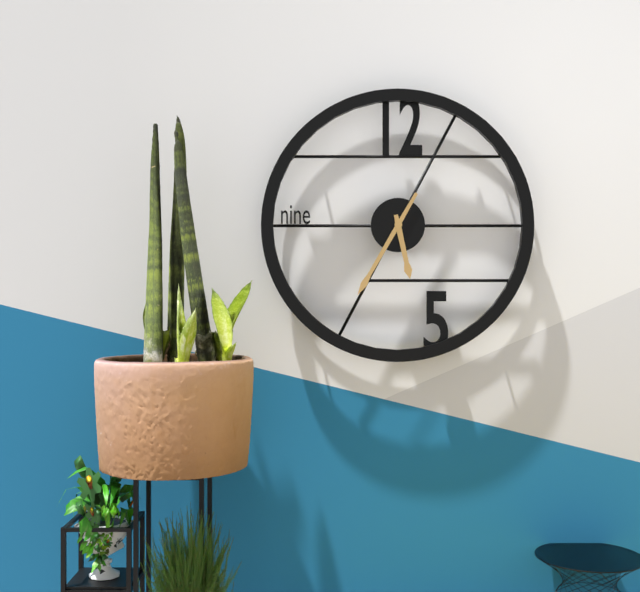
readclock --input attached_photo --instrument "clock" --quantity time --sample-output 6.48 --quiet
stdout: 5.35
